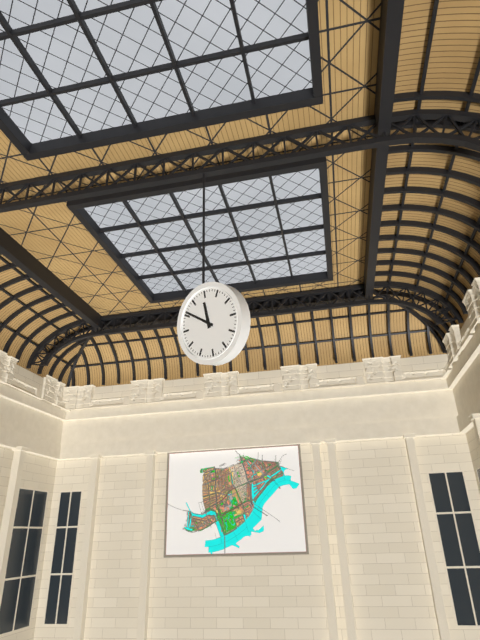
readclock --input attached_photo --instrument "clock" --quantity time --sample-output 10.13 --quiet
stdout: 11.51
